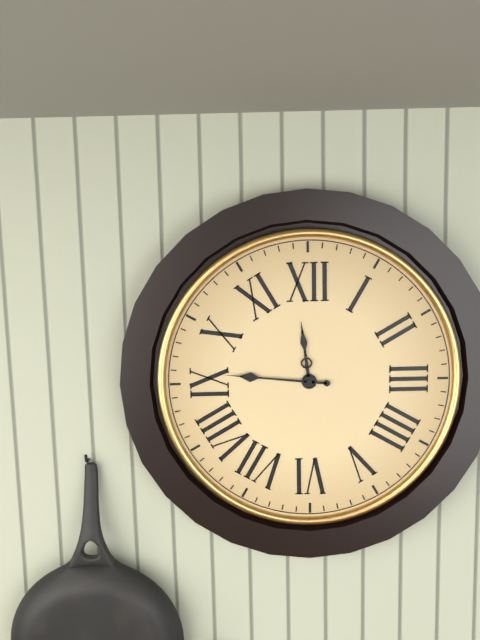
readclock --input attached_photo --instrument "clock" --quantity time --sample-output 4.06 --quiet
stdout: 11.46
